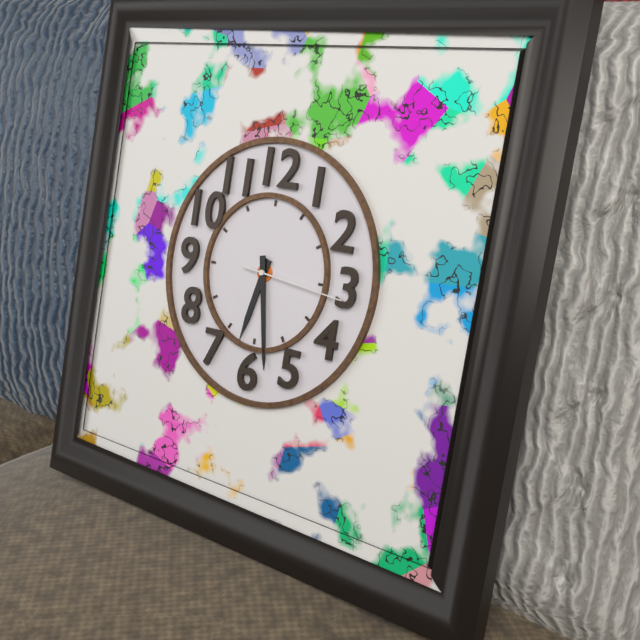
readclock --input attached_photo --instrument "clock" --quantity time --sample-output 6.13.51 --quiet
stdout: 6.28.16
